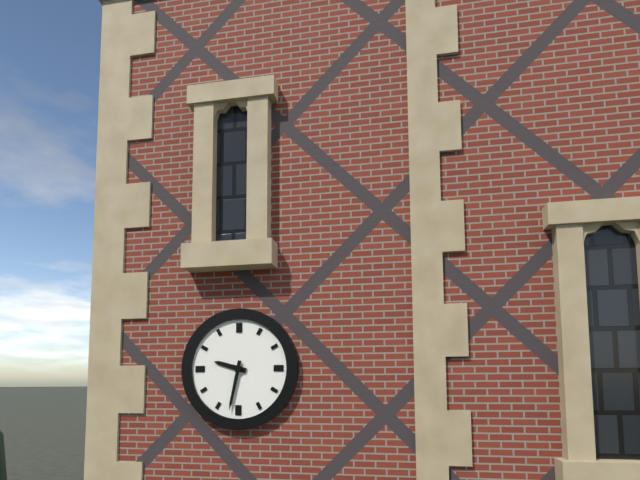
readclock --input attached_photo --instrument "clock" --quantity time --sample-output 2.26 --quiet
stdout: 9.32
